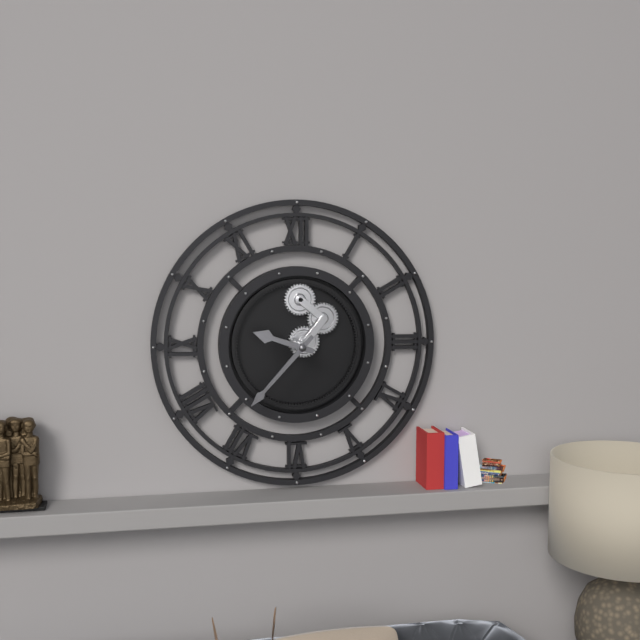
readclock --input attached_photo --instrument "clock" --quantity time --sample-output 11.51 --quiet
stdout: 9.37
